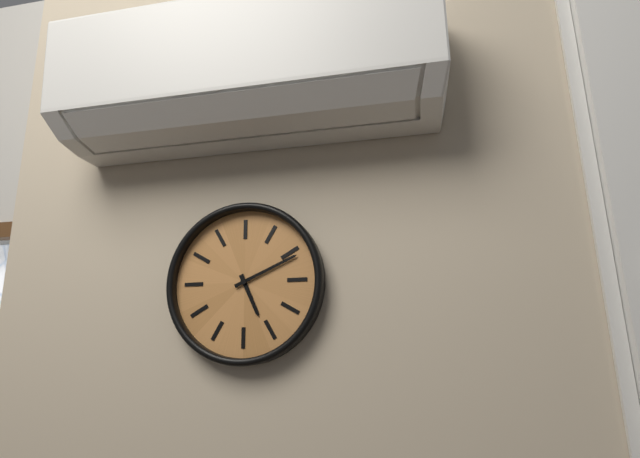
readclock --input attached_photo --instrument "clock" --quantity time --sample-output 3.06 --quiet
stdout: 5.11
